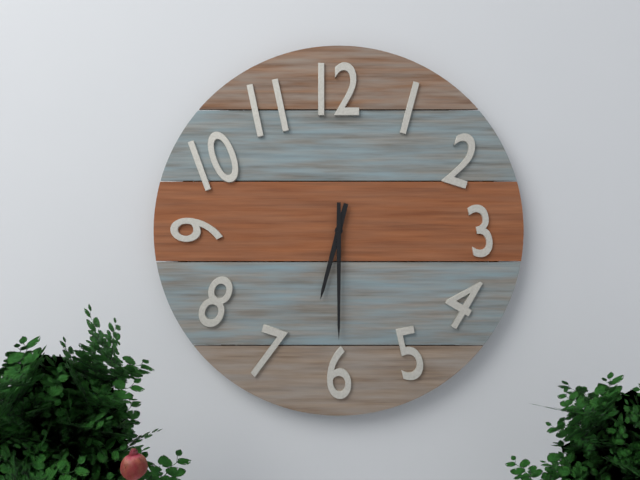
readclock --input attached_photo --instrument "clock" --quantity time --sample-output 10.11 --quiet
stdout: 6.30
